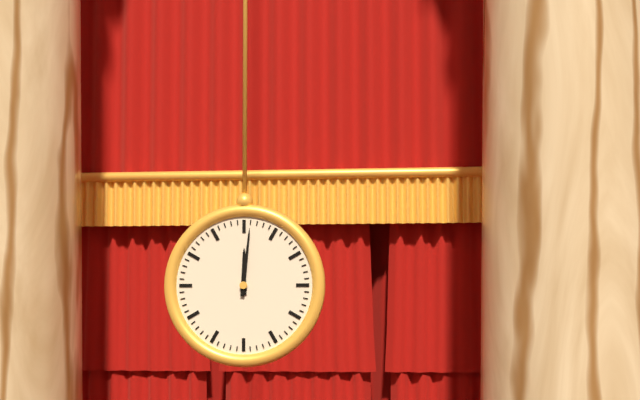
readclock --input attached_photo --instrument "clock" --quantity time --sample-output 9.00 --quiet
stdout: 12.01
